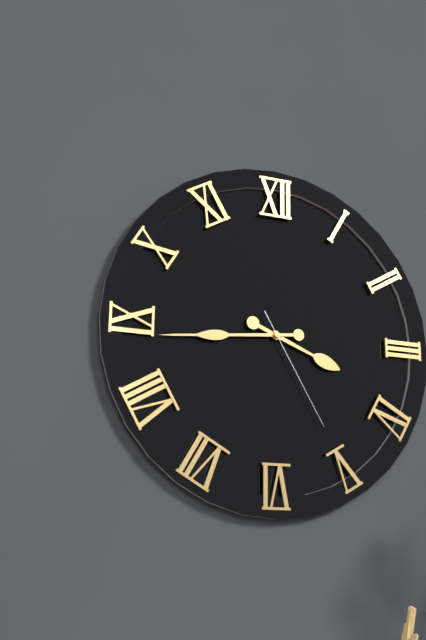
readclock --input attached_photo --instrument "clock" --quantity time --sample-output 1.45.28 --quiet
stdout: 3.44.25
